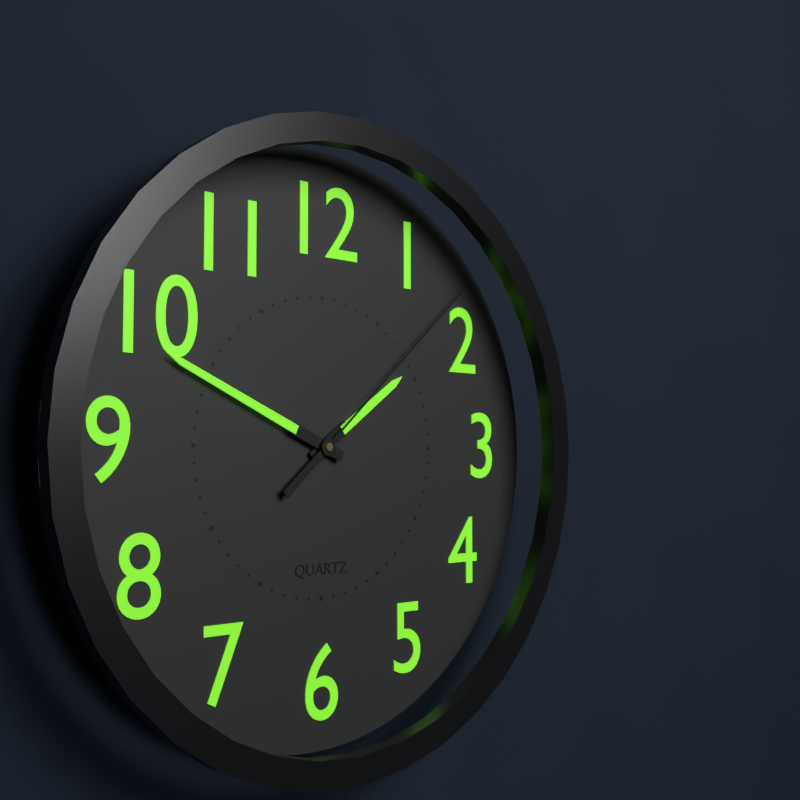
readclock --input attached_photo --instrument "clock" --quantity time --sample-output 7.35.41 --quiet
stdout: 1.49.08
